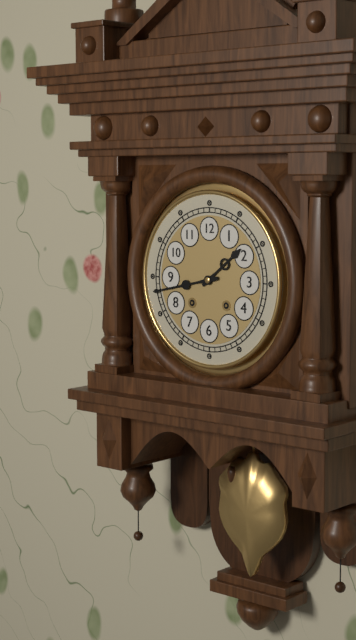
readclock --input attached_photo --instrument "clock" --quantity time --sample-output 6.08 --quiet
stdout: 1.43
